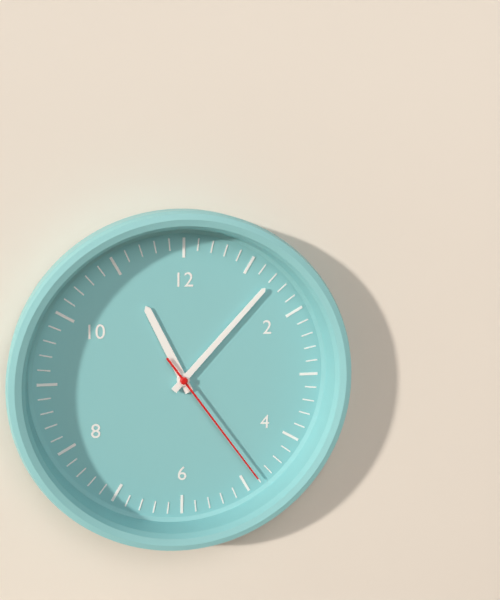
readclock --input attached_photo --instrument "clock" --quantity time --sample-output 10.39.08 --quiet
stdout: 11.07.24
